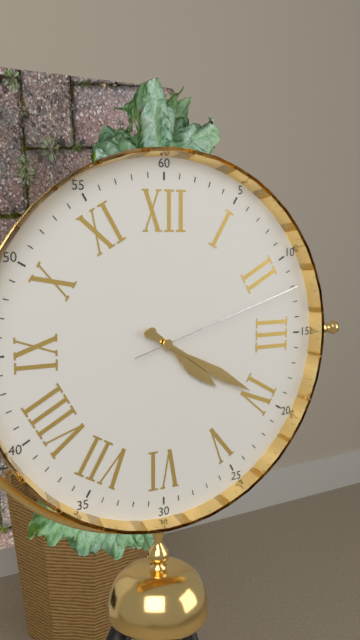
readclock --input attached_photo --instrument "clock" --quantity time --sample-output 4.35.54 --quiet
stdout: 4.20.12
